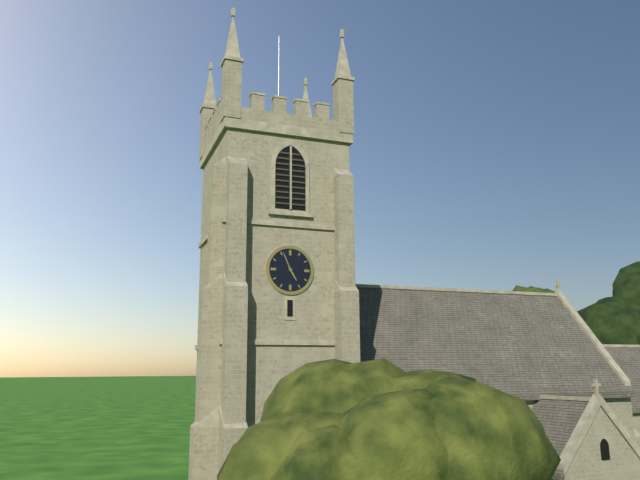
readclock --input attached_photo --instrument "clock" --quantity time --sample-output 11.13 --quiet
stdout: 4.56
